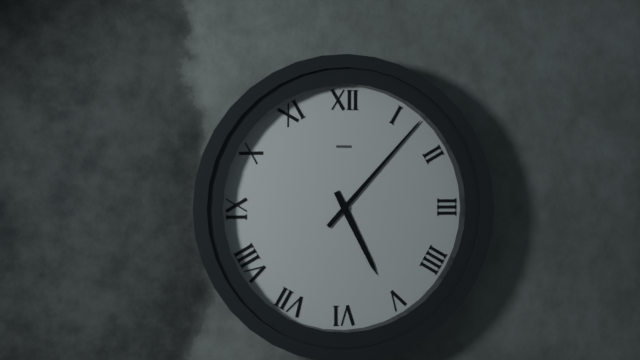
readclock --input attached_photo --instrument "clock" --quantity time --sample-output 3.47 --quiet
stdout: 5.07
